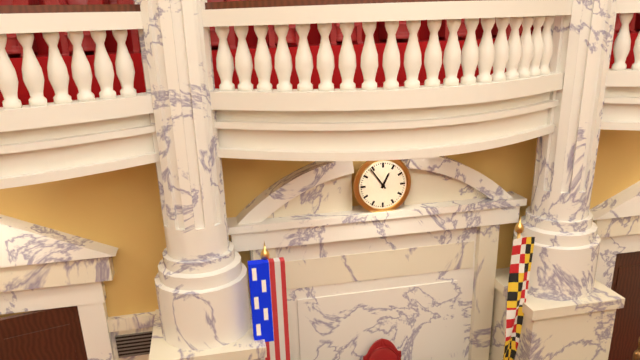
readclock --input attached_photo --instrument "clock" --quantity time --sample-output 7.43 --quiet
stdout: 12.54
